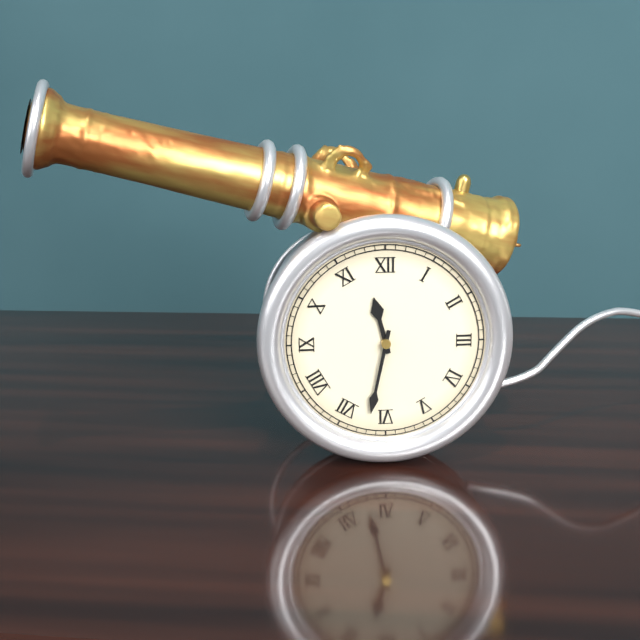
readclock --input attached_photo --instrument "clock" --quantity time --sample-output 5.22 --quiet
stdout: 11.32
